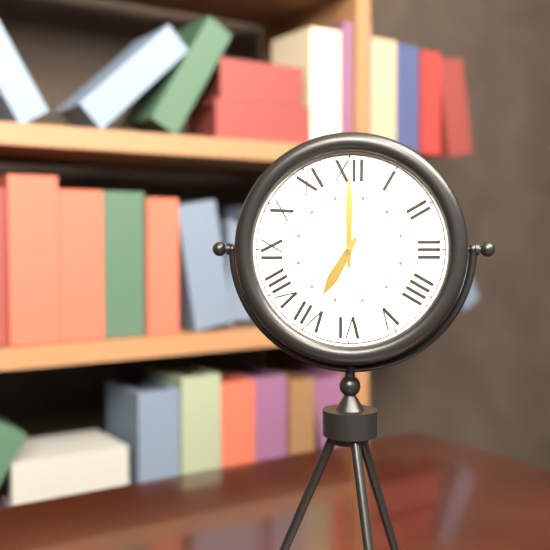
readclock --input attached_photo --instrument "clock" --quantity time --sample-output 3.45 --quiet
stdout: 7.00
